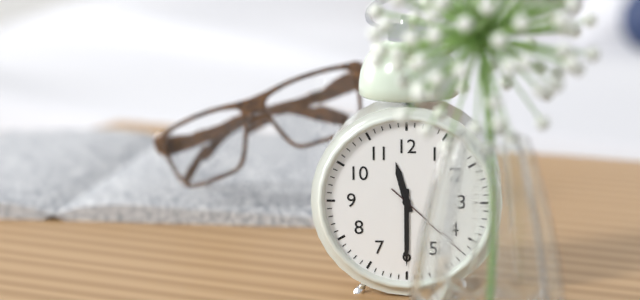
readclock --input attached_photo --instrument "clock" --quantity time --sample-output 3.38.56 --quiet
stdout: 11.30.22
